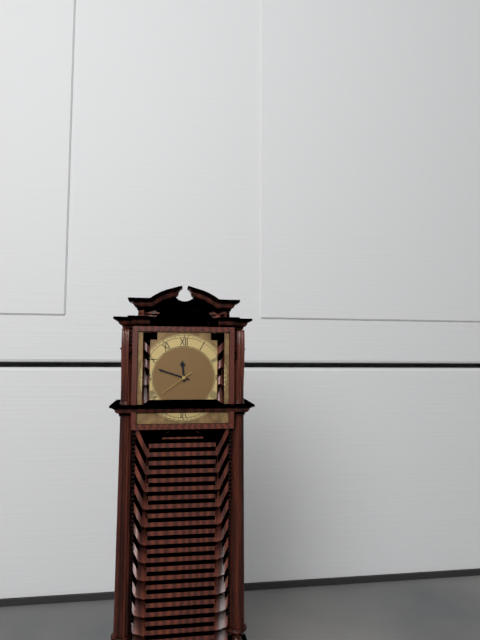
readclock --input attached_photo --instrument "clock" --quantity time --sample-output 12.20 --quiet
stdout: 11.48
